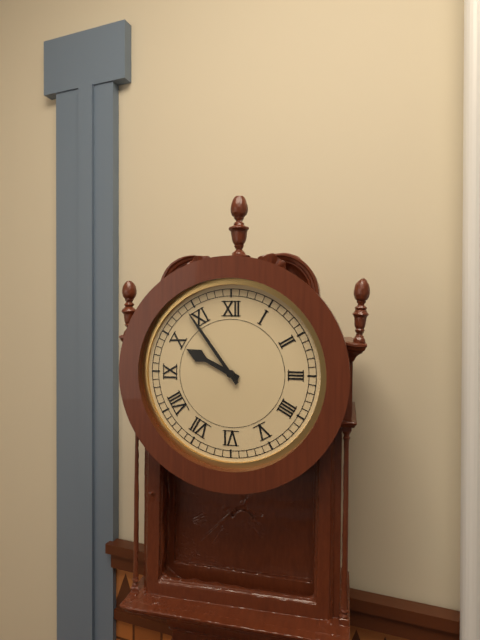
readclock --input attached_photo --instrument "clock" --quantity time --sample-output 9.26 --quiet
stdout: 9.54
